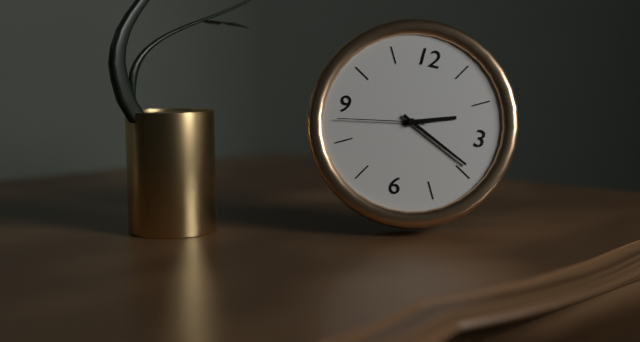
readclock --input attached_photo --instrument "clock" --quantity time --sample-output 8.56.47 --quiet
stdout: 2.19.43
